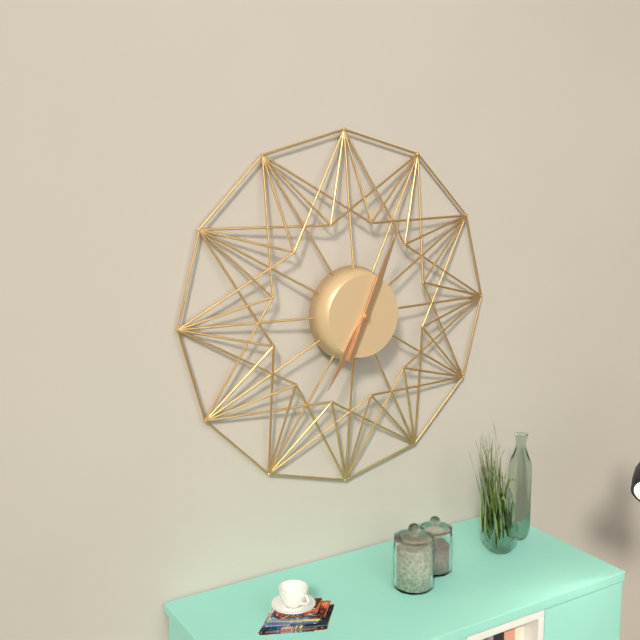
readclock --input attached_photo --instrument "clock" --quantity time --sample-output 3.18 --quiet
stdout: 7.04
